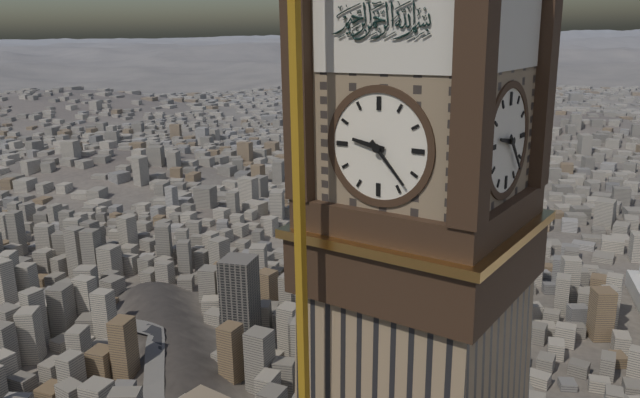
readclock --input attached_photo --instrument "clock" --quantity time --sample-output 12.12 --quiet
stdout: 9.23
